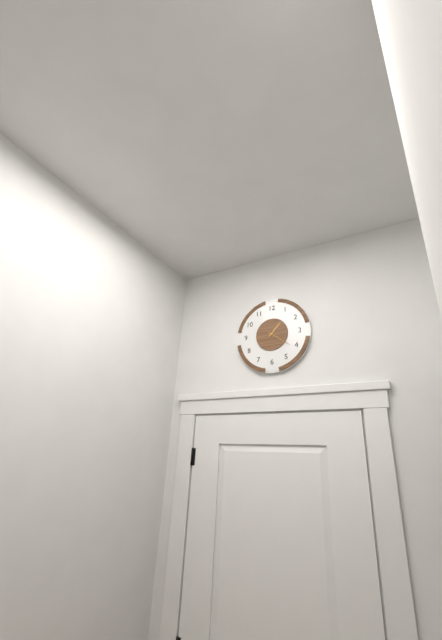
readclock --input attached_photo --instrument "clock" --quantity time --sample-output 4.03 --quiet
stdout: 1.21
